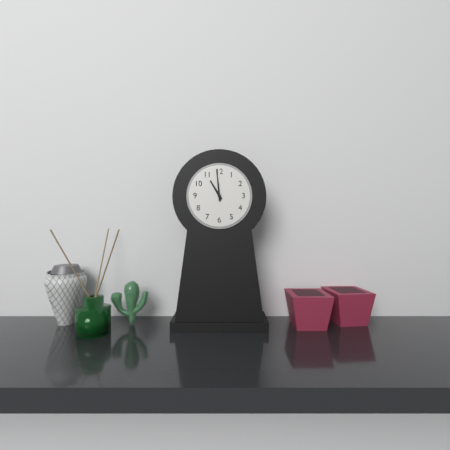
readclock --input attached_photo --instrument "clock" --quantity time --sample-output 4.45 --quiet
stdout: 10.59
